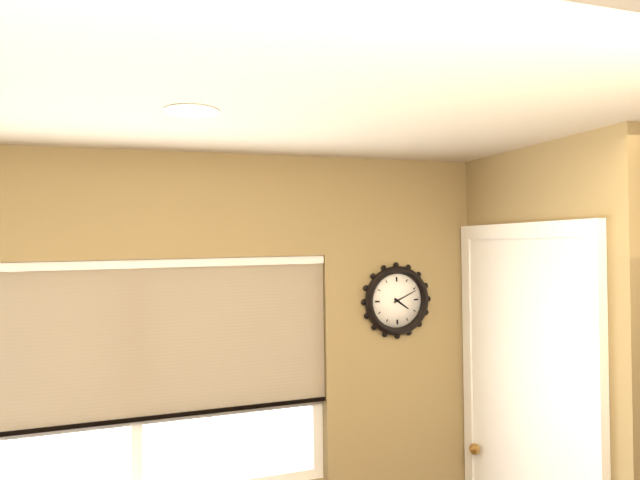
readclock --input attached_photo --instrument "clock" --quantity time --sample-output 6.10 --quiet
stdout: 4.11
